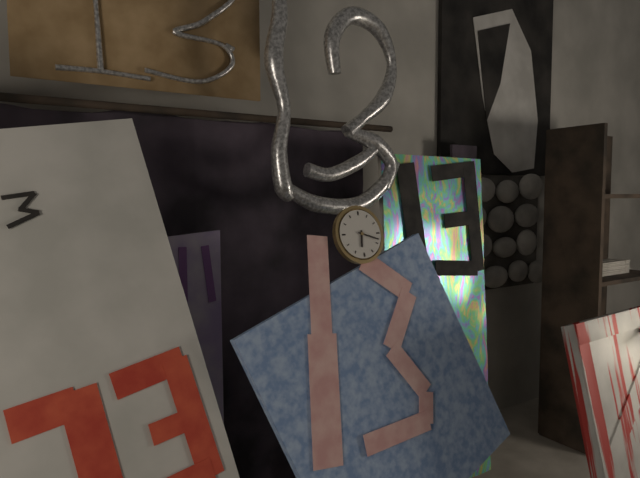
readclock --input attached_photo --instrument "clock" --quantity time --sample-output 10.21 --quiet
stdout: 6.18
